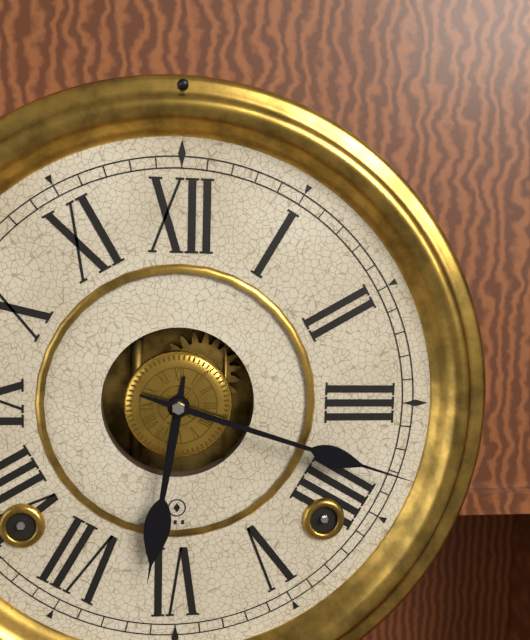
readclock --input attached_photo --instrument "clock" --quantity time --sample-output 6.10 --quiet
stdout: 6.18
